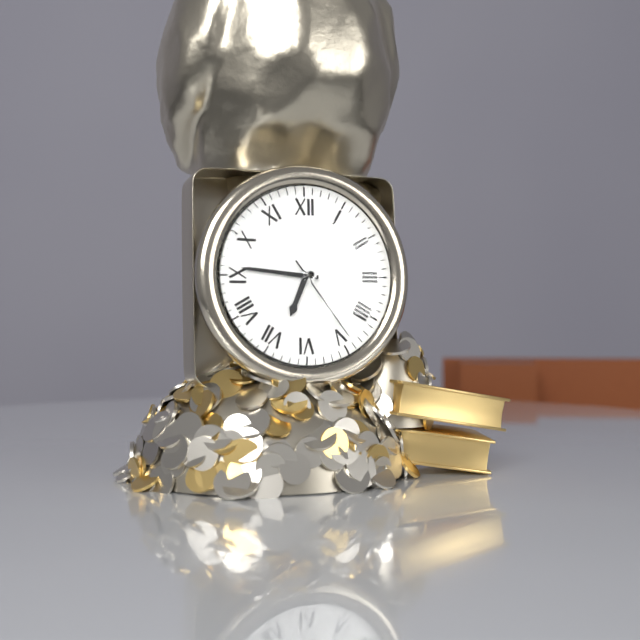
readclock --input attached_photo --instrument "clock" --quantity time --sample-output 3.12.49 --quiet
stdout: 6.46.24
